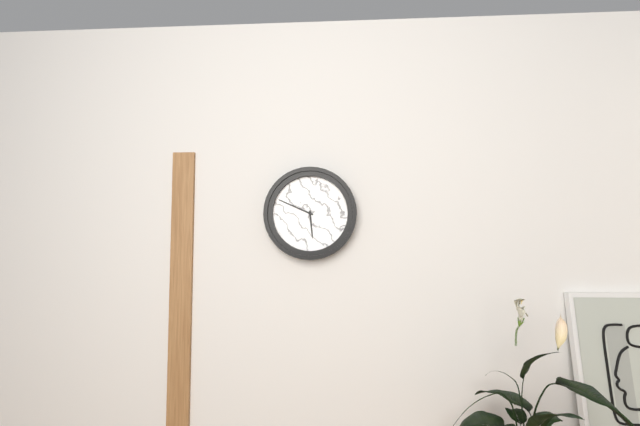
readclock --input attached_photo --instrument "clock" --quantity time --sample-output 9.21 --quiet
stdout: 5.49
